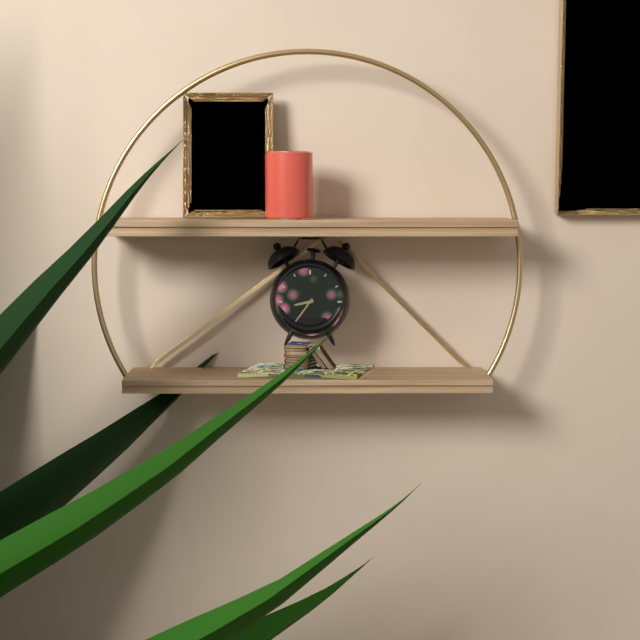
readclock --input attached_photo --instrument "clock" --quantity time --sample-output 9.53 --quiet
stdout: 8.36
